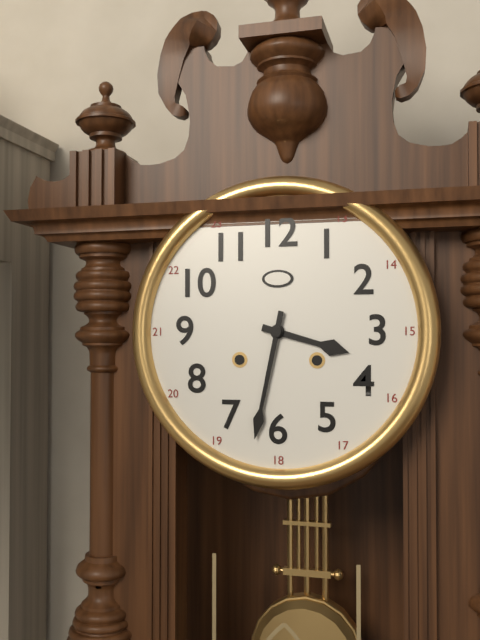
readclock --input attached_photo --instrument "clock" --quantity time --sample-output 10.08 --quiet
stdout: 3.32
